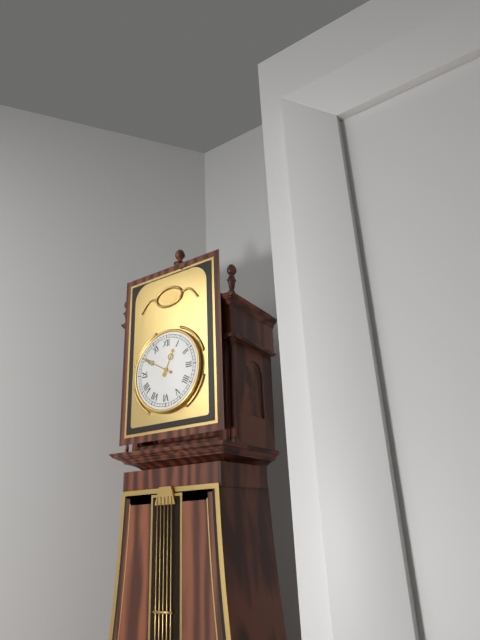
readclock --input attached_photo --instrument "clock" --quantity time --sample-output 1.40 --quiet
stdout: 12.50
